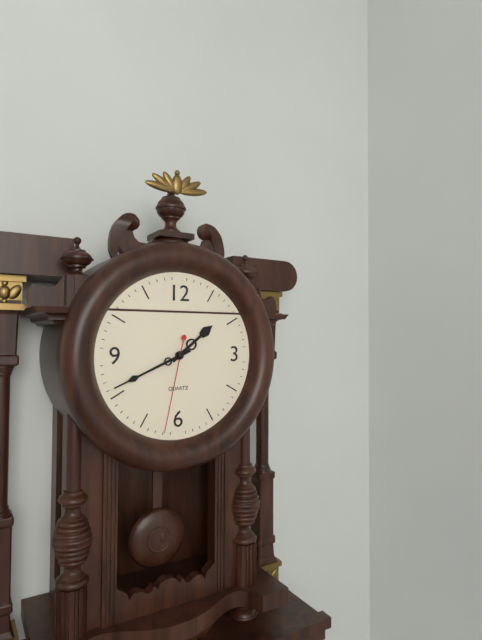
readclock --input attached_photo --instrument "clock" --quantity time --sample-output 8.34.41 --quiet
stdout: 1.41.32
